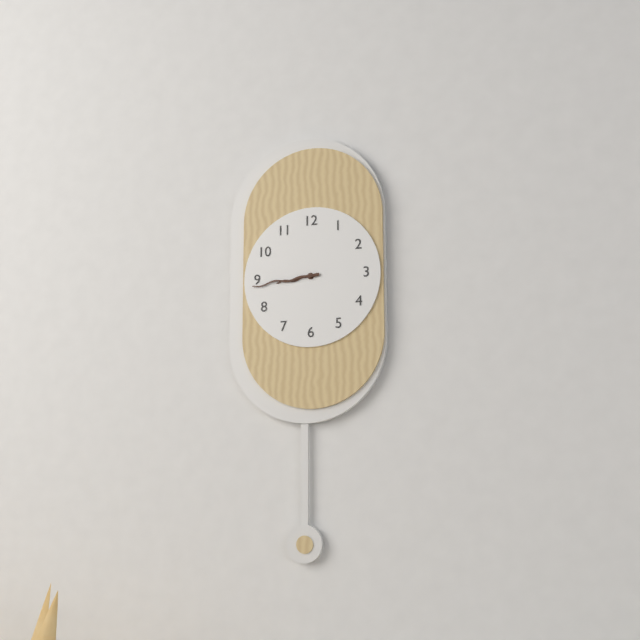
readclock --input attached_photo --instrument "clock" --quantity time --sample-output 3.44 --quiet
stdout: 8.44
